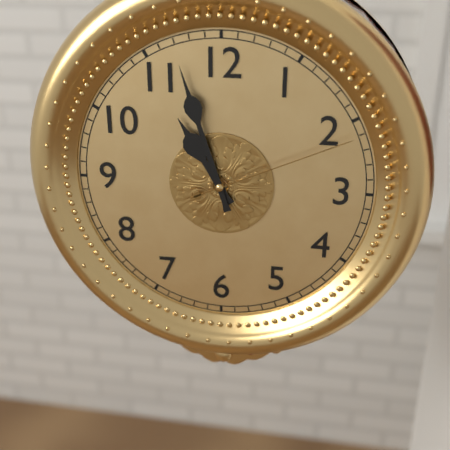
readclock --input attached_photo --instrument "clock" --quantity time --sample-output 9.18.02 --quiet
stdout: 10.57.11
